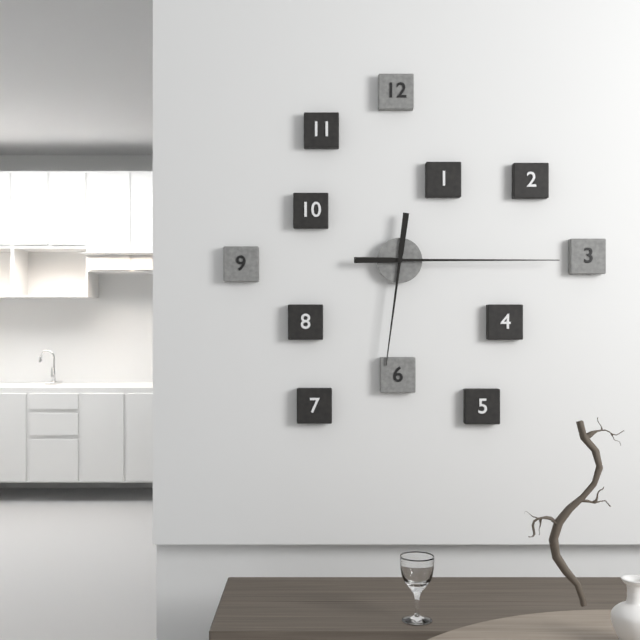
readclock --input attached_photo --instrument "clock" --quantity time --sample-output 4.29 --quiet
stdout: 6.15
